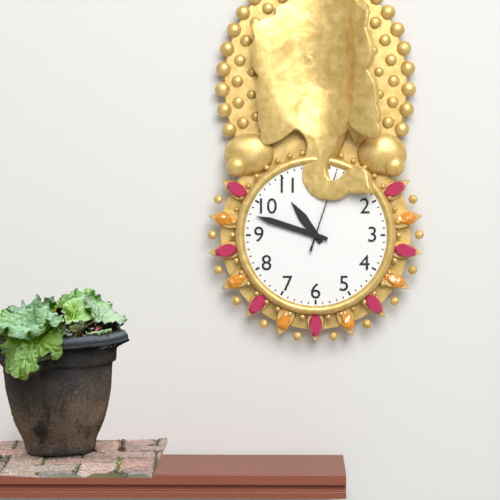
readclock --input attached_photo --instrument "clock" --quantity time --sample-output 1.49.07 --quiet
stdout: 10.48.03
